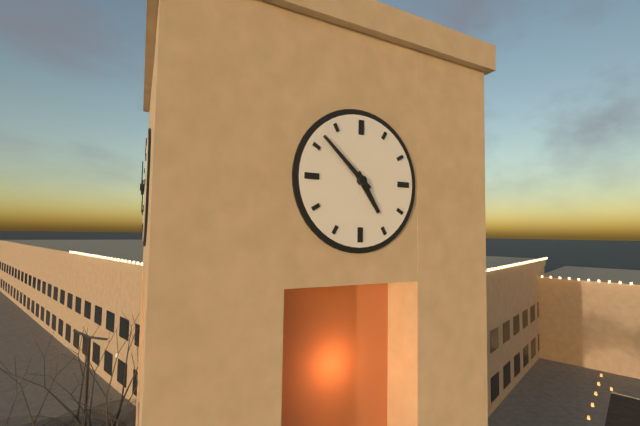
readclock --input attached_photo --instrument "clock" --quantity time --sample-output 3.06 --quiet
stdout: 4.52
